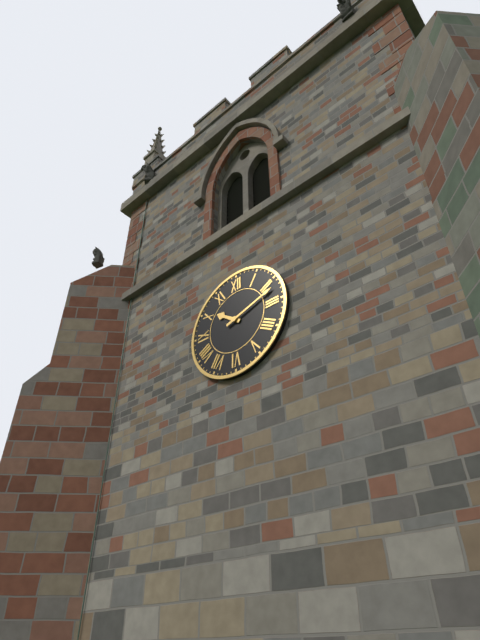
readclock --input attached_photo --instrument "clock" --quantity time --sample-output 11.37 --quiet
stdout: 10.12
